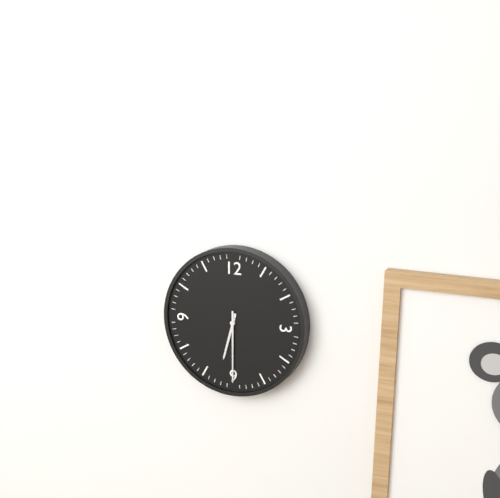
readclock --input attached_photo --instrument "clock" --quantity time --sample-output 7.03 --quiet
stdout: 6.30
